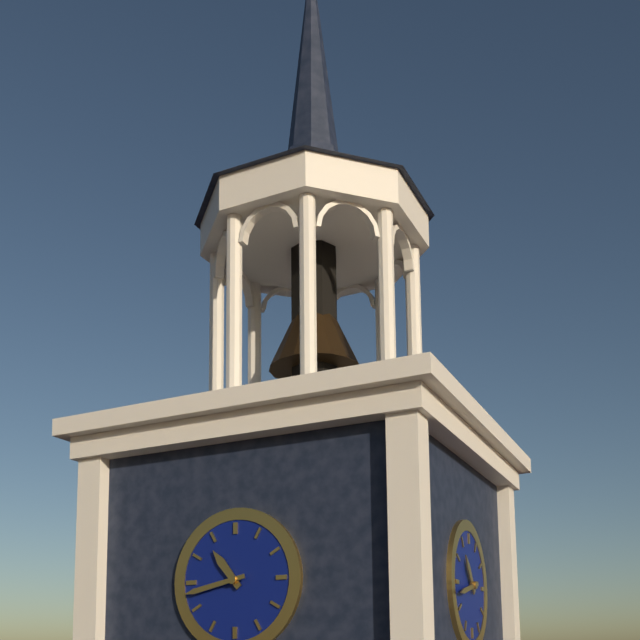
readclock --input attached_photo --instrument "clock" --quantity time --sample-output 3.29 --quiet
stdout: 10.43
